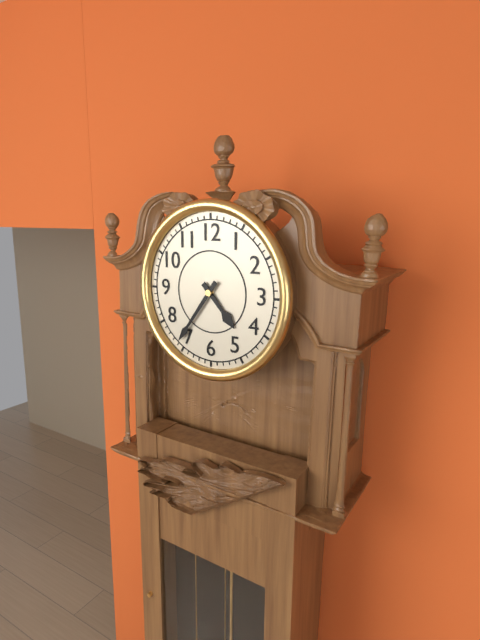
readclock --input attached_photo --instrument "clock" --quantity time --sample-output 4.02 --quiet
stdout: 4.36
